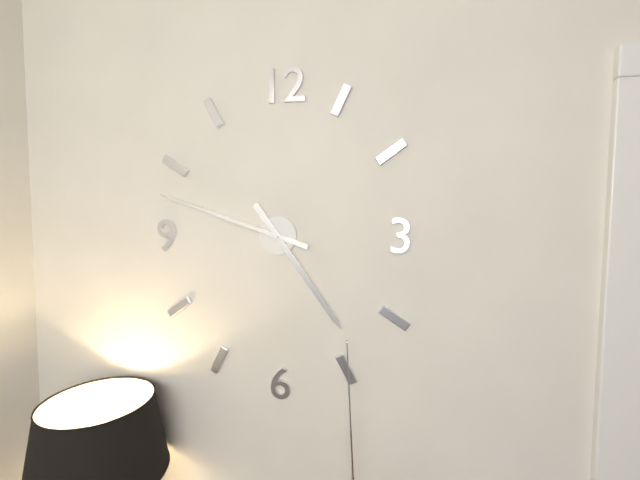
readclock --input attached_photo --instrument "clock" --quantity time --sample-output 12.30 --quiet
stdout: 4.48
